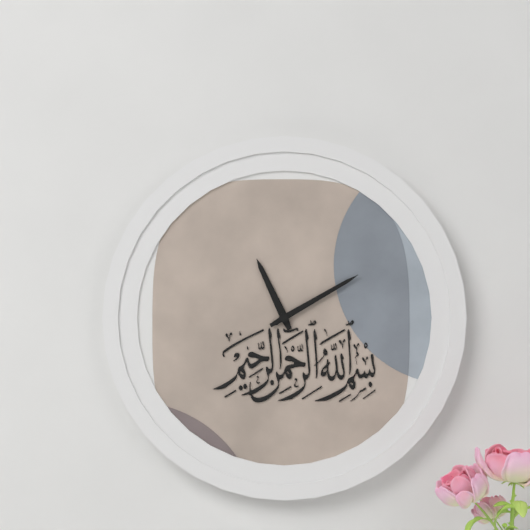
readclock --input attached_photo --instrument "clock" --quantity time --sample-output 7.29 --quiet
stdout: 11.10
